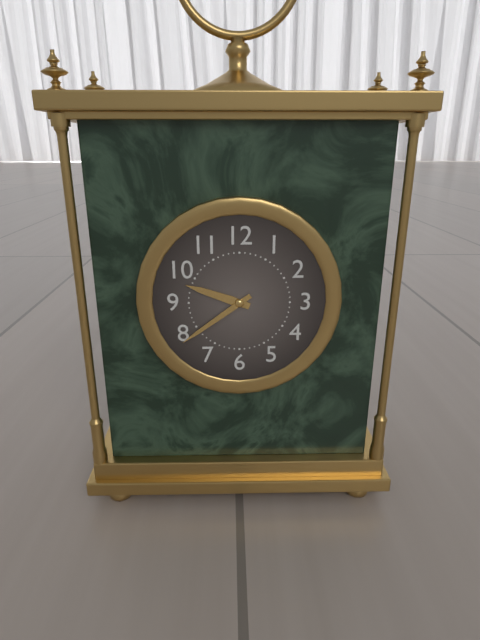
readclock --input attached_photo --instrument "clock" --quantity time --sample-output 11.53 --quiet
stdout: 9.39
